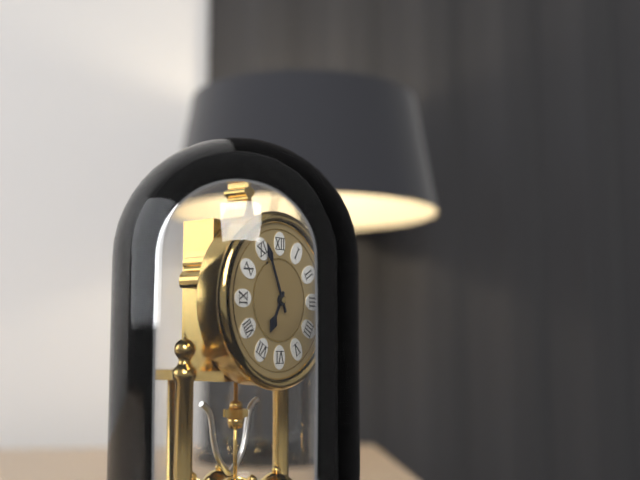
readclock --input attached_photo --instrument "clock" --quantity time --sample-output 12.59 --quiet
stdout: 6.56
